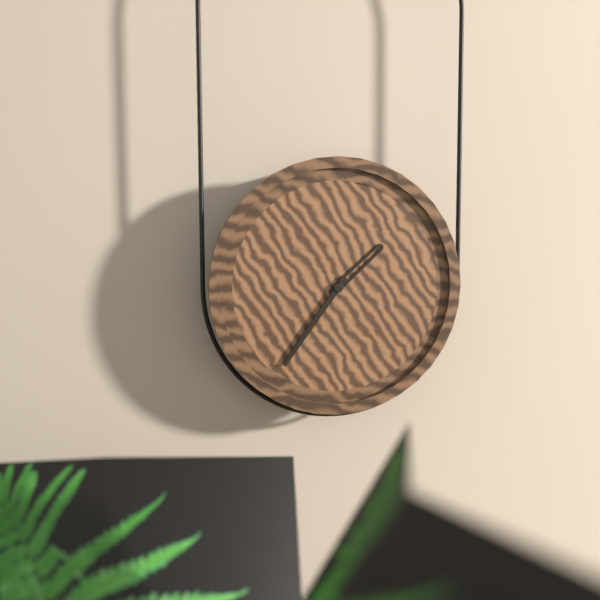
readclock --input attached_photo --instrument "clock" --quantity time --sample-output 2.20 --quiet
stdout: 1.36
